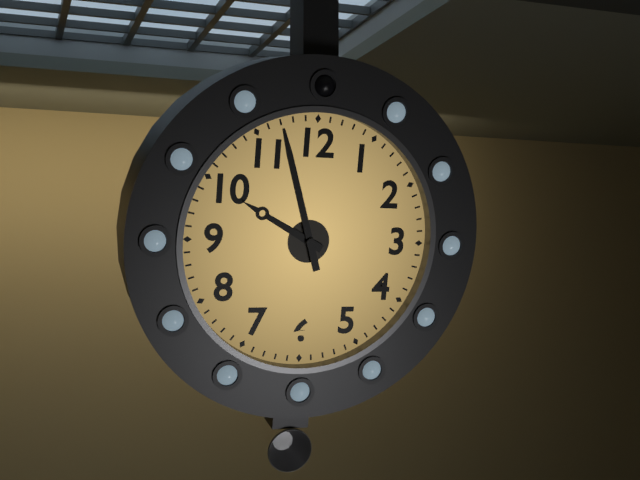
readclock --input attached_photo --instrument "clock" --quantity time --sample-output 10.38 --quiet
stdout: 9.57
